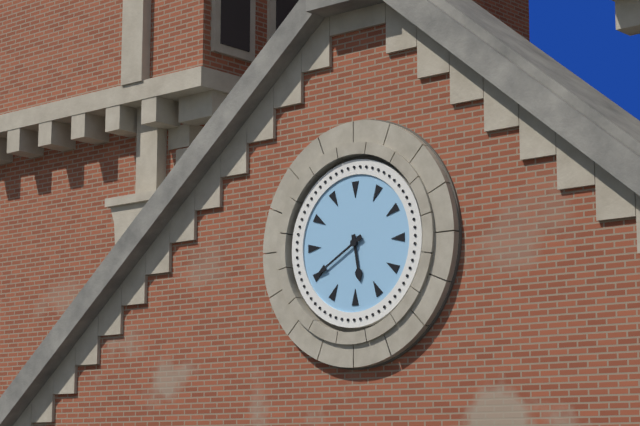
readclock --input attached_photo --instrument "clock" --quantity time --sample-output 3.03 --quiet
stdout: 5.40
